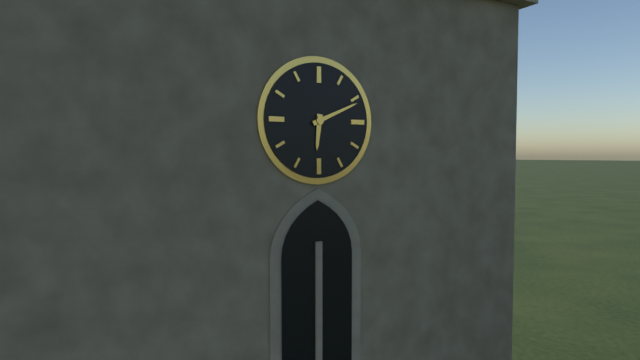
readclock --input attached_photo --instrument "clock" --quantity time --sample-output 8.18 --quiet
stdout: 6.11
